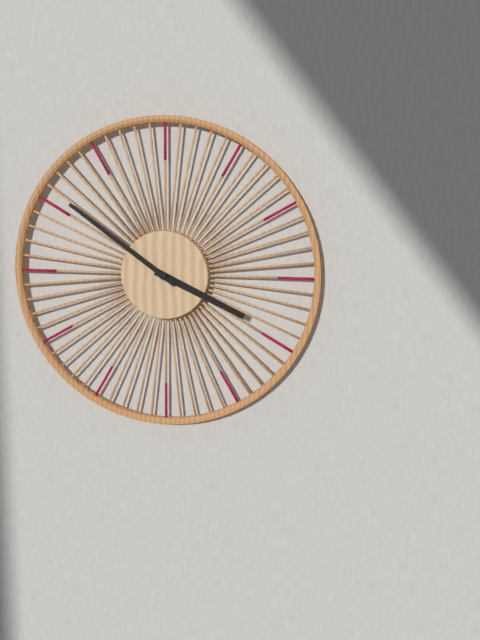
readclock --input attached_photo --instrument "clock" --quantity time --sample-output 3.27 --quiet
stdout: 3.51
